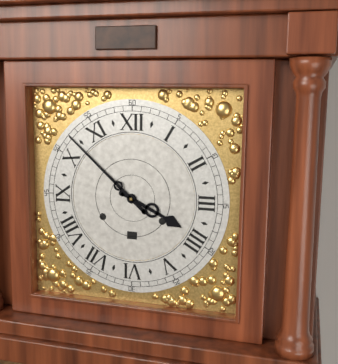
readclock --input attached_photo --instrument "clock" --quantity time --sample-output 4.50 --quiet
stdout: 3.52
